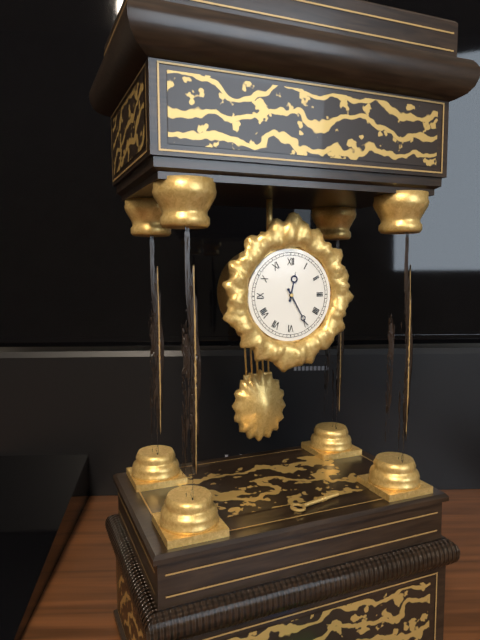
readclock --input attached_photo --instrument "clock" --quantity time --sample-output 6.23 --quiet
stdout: 12.25
